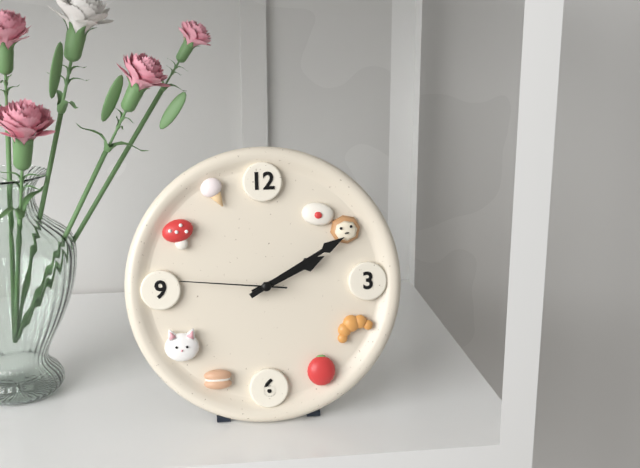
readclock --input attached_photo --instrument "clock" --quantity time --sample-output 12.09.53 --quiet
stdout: 2.10.46
